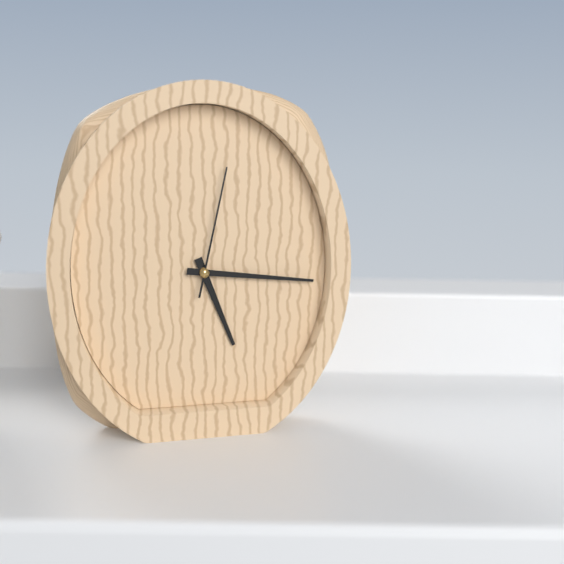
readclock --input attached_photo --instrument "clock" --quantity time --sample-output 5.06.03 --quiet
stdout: 5.16.02
